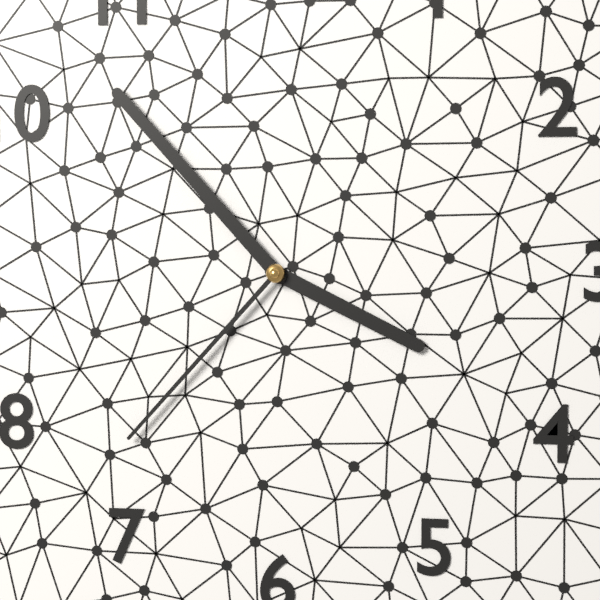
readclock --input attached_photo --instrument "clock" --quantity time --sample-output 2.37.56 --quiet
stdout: 3.53.37
